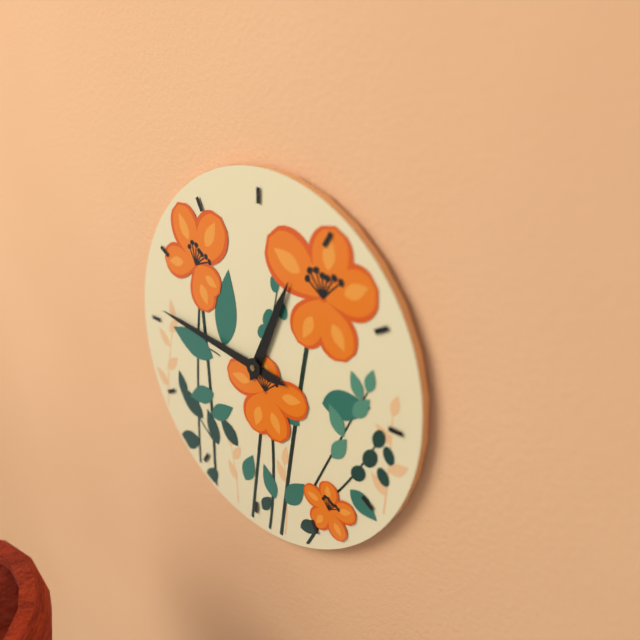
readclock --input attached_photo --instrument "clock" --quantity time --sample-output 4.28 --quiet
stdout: 12.46
